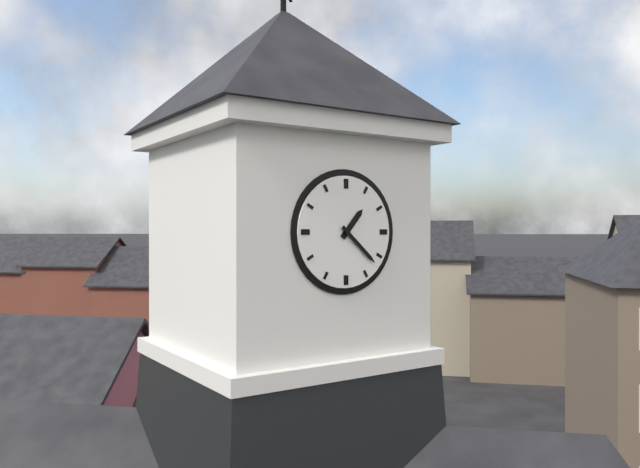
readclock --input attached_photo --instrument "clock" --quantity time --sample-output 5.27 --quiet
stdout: 1.22
